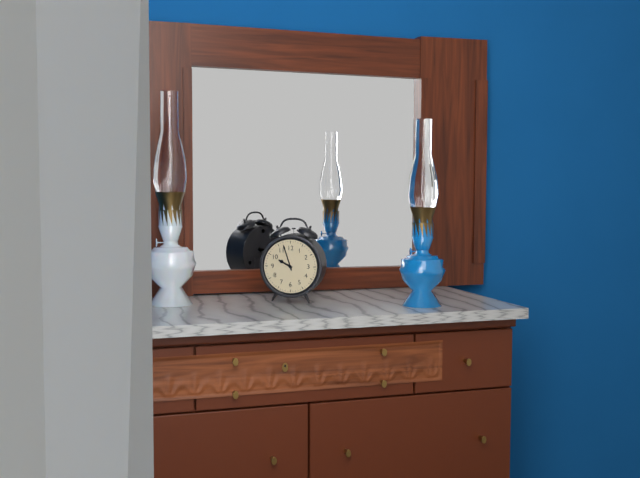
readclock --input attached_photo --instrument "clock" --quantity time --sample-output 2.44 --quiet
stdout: 9.57
